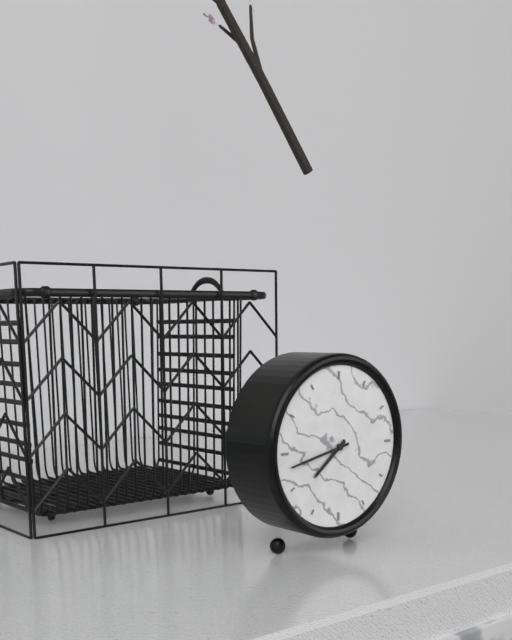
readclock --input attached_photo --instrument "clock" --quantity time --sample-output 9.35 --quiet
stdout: 7.43
